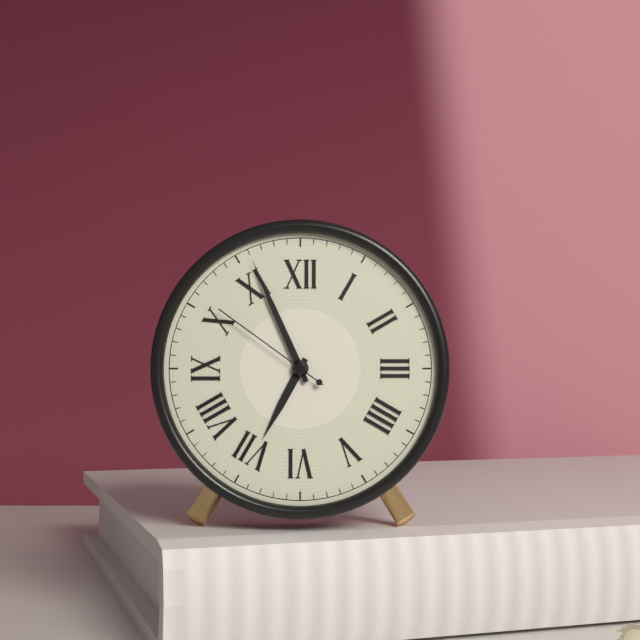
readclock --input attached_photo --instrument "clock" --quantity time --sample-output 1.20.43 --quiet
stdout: 6.56.51
